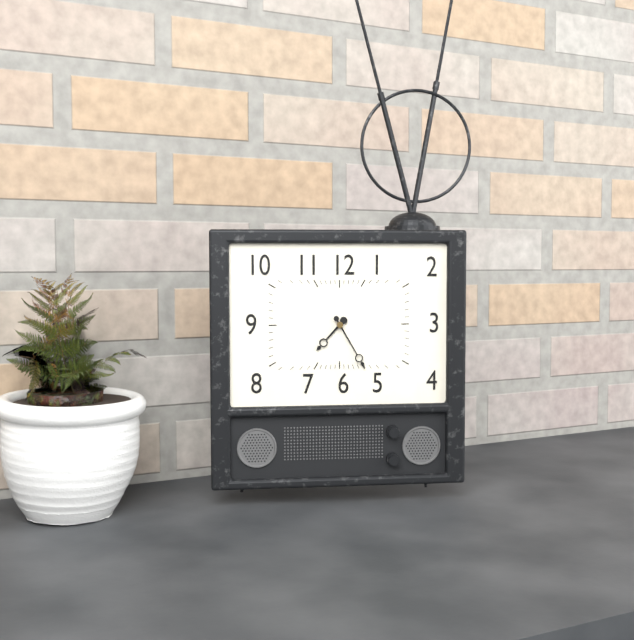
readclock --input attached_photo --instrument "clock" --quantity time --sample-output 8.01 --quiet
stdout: 7.25
